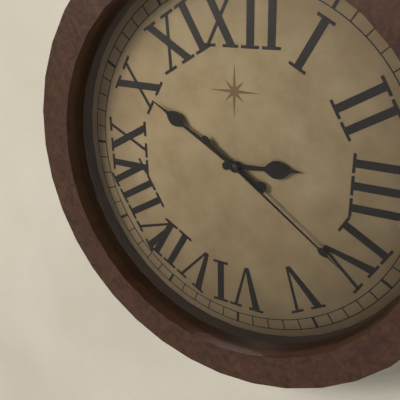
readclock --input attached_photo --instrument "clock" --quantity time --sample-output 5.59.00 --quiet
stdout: 2.50.21
